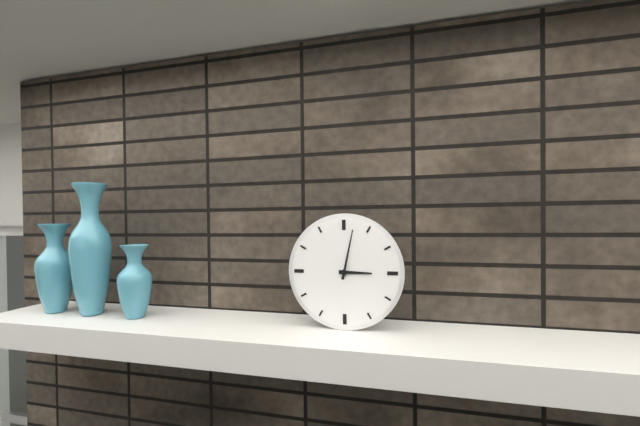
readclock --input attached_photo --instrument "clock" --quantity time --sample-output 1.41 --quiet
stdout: 3.02
